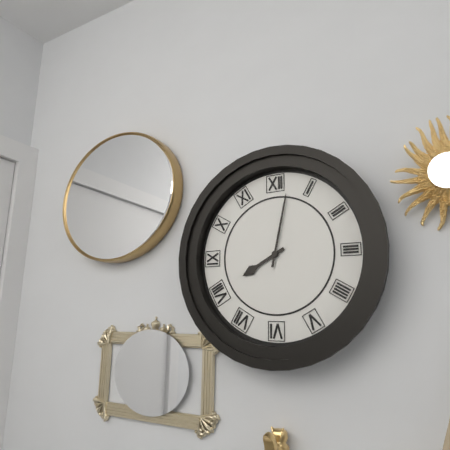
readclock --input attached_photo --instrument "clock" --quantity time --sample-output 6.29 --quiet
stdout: 8.02
